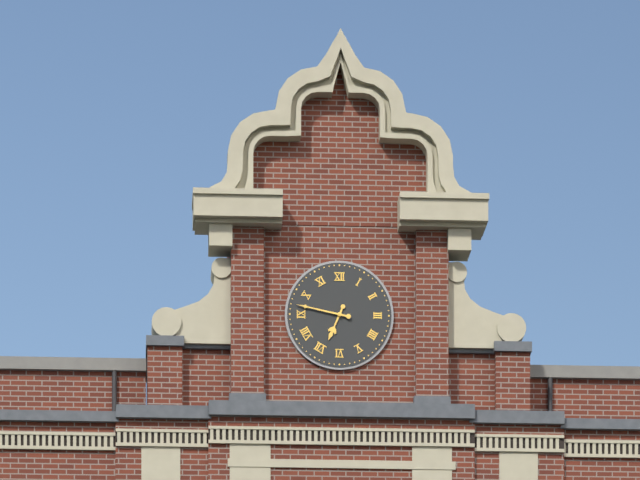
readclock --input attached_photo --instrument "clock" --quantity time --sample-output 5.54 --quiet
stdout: 6.47
